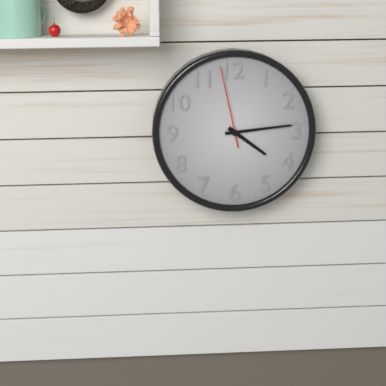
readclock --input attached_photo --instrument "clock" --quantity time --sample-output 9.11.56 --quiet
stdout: 4.14.58
